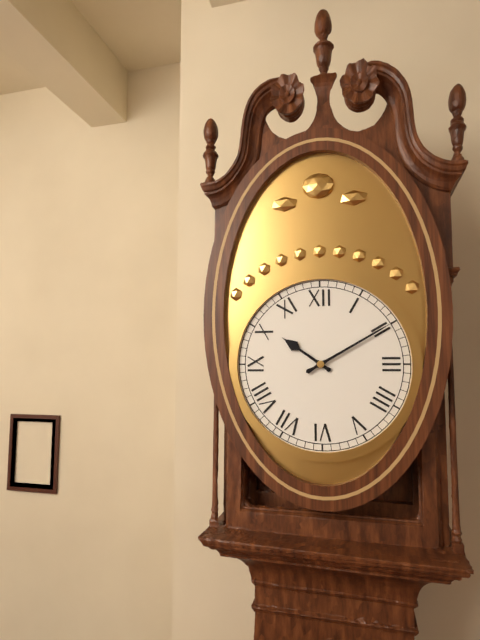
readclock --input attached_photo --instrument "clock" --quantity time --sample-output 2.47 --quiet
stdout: 10.10
